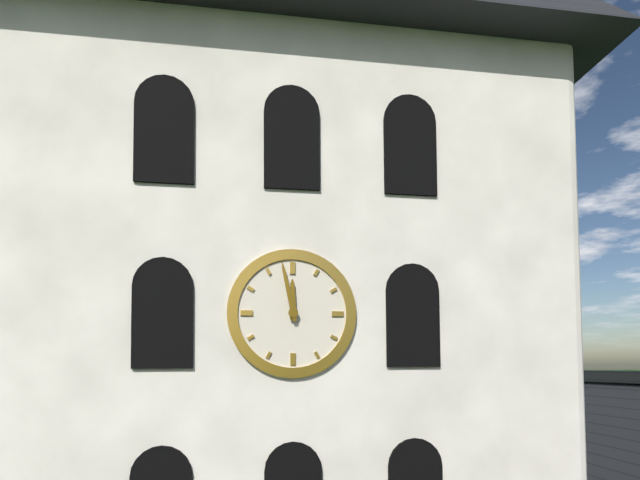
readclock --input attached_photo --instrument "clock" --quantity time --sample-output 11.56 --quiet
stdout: 11.58
